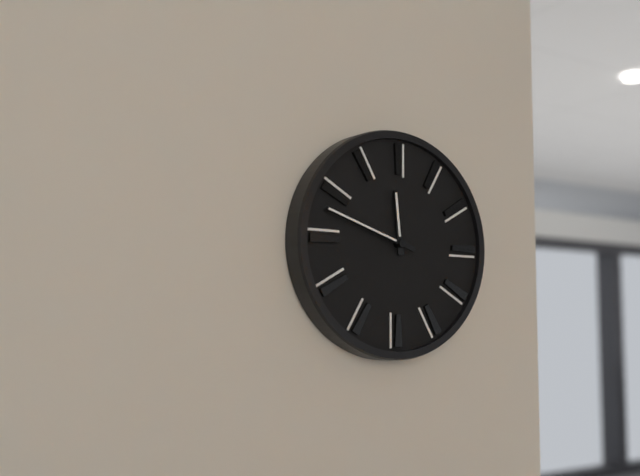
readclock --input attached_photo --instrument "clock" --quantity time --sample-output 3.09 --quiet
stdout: 11.48
